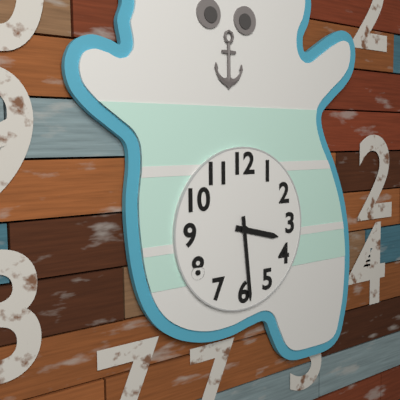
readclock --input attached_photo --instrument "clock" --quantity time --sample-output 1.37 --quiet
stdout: 3.29
